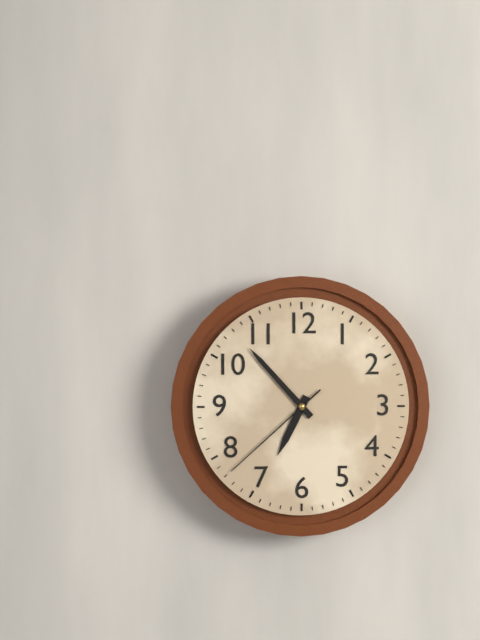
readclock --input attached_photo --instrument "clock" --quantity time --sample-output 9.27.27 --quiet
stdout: 6.53.38
